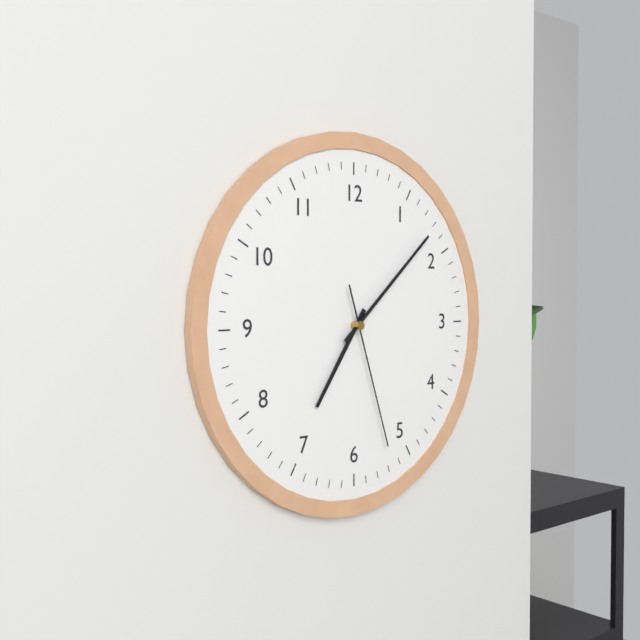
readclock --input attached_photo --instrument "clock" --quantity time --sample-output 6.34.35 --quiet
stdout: 7.08.27
